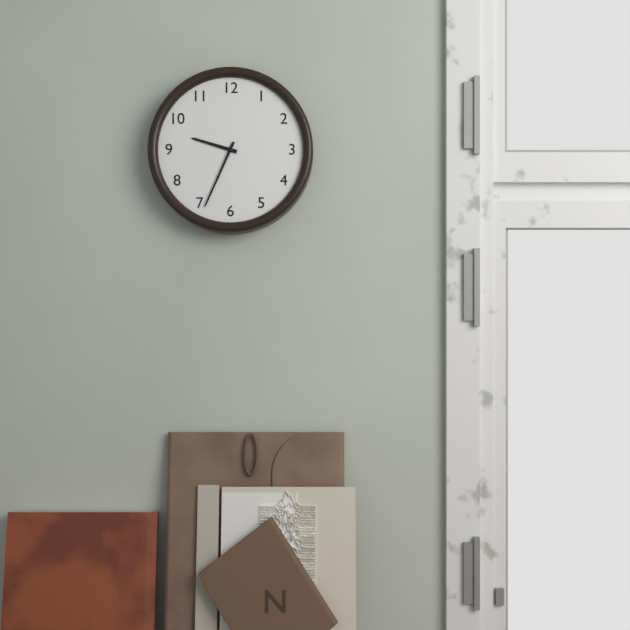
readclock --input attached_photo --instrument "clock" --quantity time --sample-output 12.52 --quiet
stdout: 9.34
